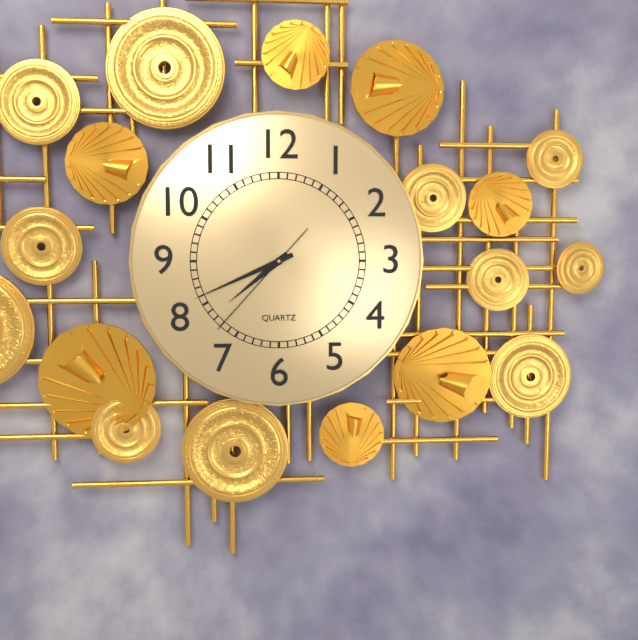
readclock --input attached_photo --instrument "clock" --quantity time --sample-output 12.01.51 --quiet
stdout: 7.41.37
